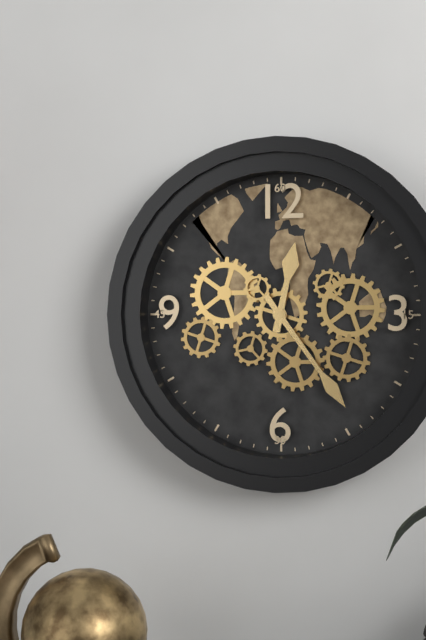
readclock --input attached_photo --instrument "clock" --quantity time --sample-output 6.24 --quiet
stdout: 12.24
